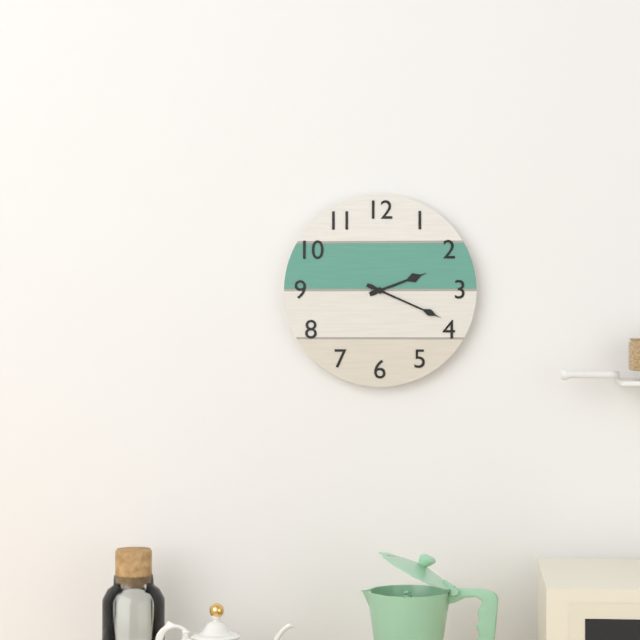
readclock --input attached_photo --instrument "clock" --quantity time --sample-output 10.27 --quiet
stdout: 2.19
